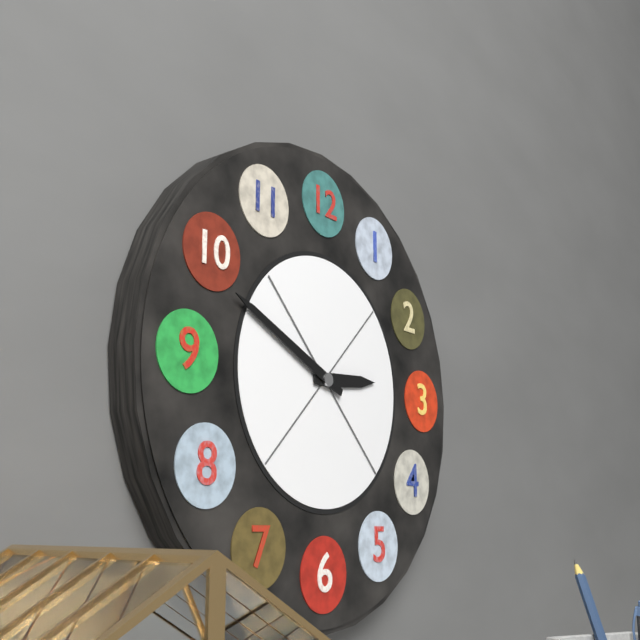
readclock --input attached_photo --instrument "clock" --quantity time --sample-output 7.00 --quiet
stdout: 2.49
